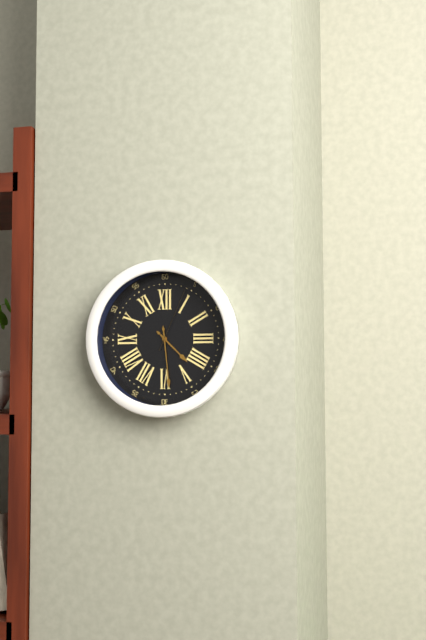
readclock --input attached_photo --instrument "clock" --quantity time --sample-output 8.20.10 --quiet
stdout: 4.29.04
